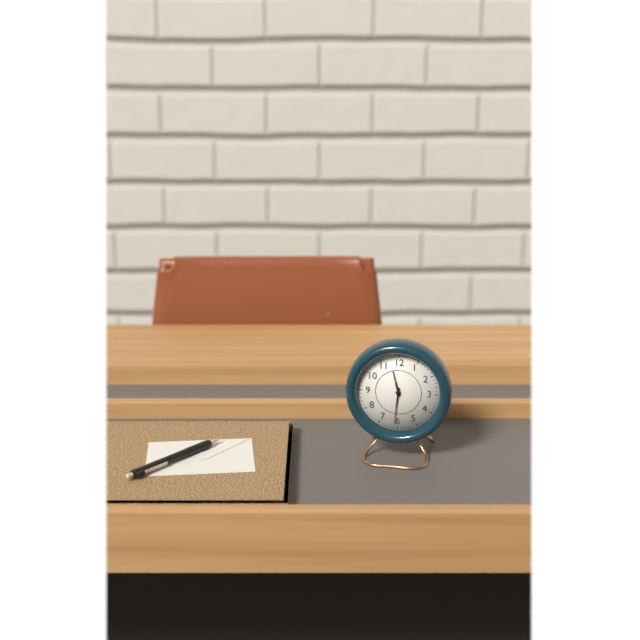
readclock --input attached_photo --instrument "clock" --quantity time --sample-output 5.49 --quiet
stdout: 11.31
